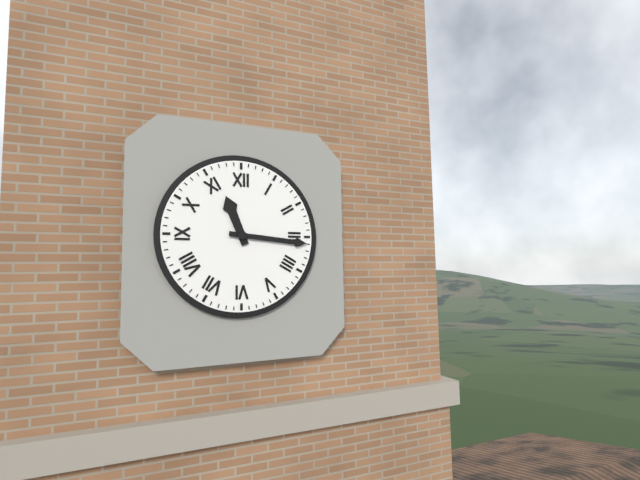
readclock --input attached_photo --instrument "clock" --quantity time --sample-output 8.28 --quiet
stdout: 11.16
